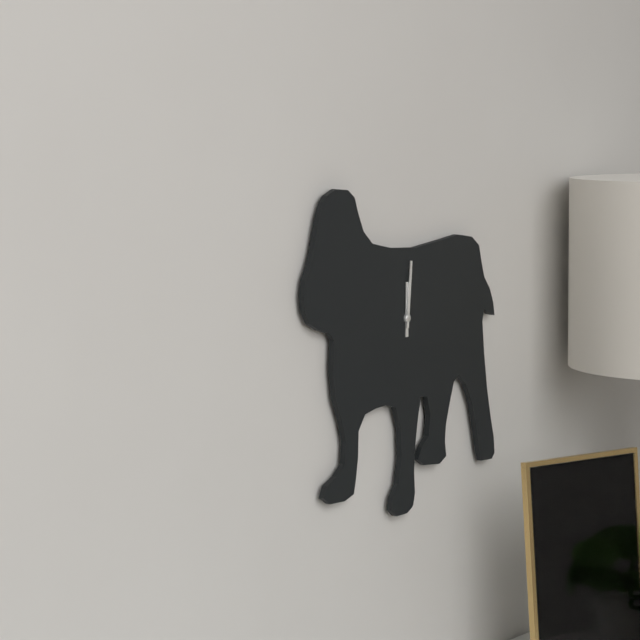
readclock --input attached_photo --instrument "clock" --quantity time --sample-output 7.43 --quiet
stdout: 12.01
